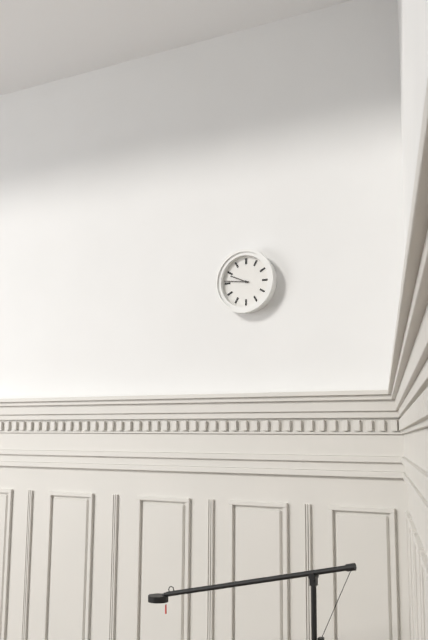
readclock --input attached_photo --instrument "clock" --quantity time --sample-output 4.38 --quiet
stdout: 9.46
